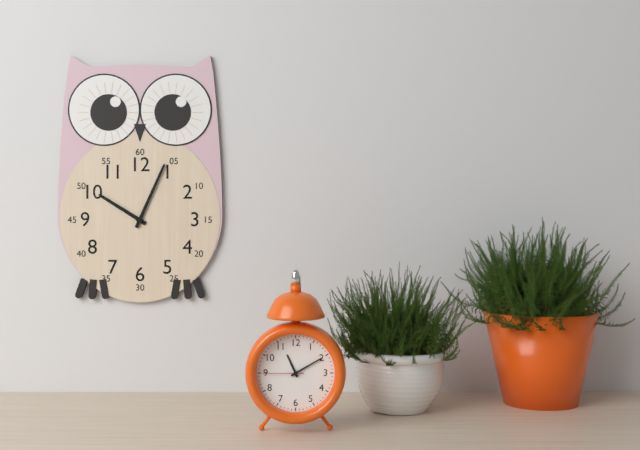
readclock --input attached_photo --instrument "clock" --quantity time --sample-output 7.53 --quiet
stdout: 10.04
